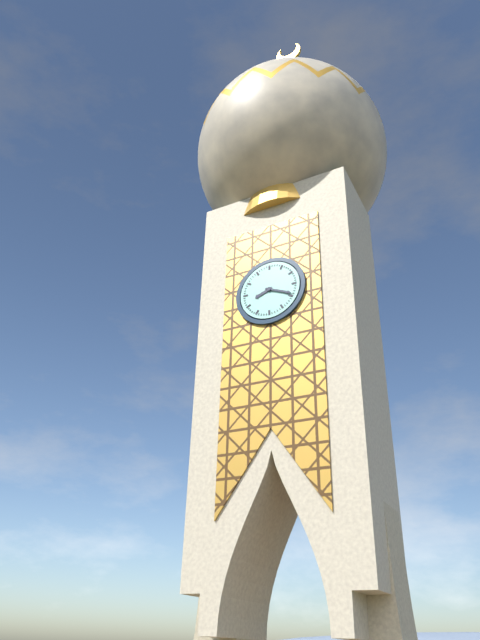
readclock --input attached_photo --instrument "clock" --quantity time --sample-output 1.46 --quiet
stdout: 8.19
